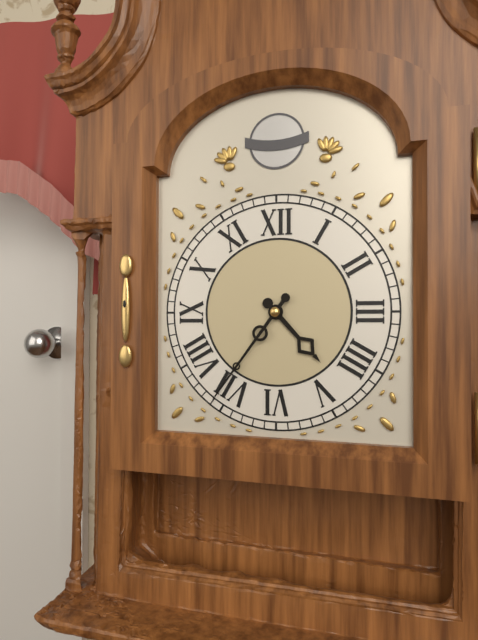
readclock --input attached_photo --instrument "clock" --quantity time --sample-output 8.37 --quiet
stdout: 4.36
